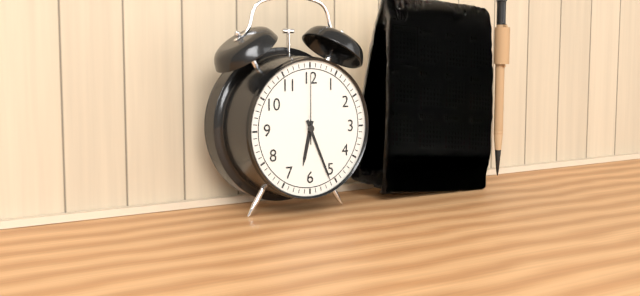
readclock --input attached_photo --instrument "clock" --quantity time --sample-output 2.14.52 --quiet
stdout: 6.26.00
